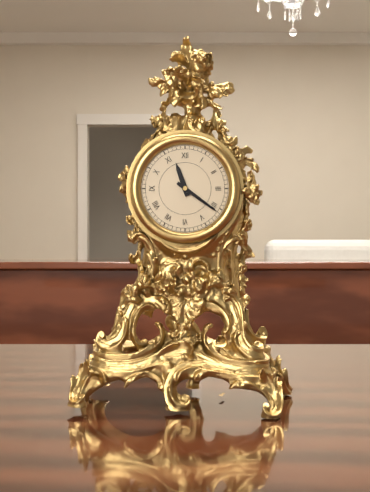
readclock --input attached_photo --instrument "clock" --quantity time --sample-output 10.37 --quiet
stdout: 11.21
